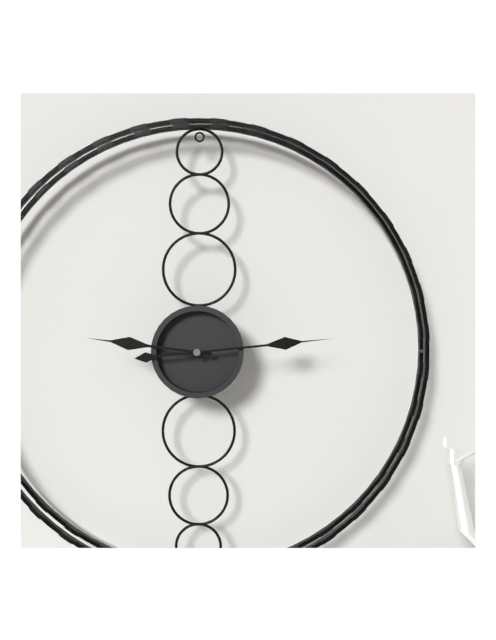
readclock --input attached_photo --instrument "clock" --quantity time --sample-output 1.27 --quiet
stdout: 9.14
